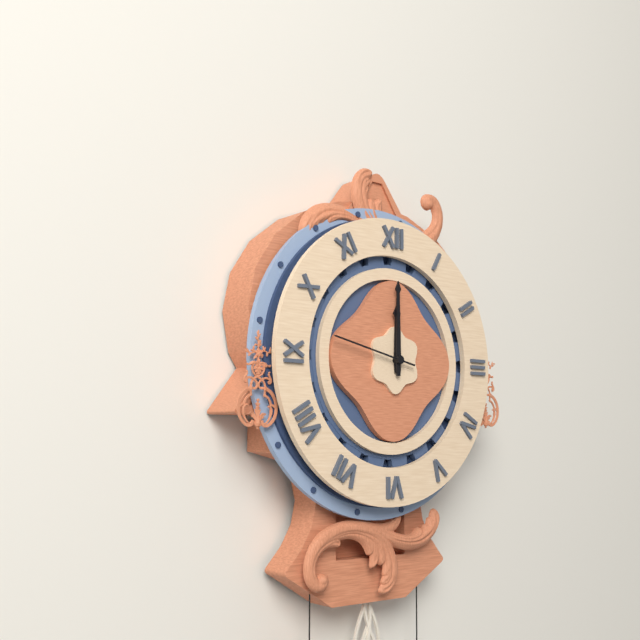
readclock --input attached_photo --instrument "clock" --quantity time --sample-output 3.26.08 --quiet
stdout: 12.00.47
